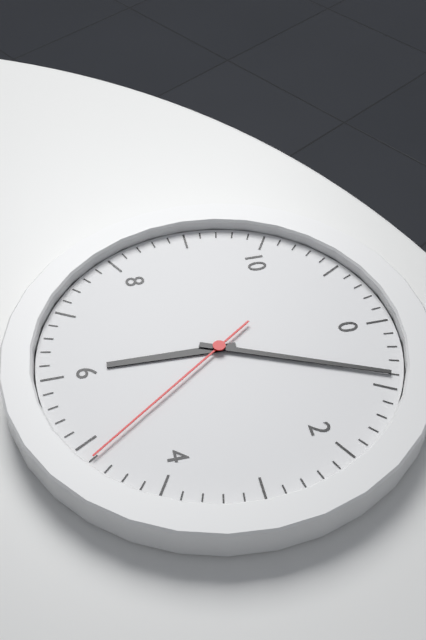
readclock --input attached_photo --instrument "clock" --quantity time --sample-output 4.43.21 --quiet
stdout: 6.04.24
